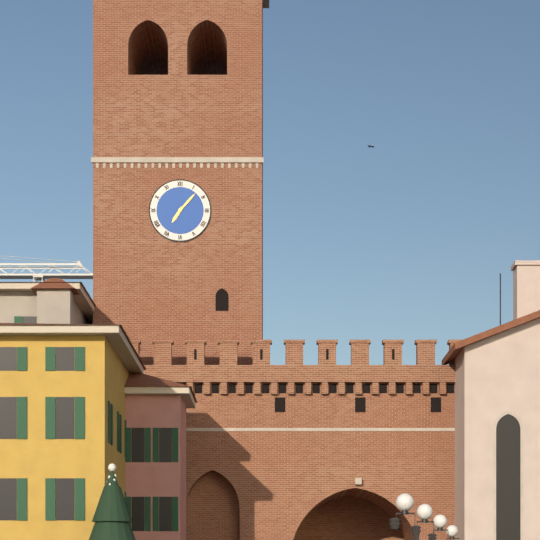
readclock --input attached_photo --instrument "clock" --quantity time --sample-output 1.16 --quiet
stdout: 7.07
